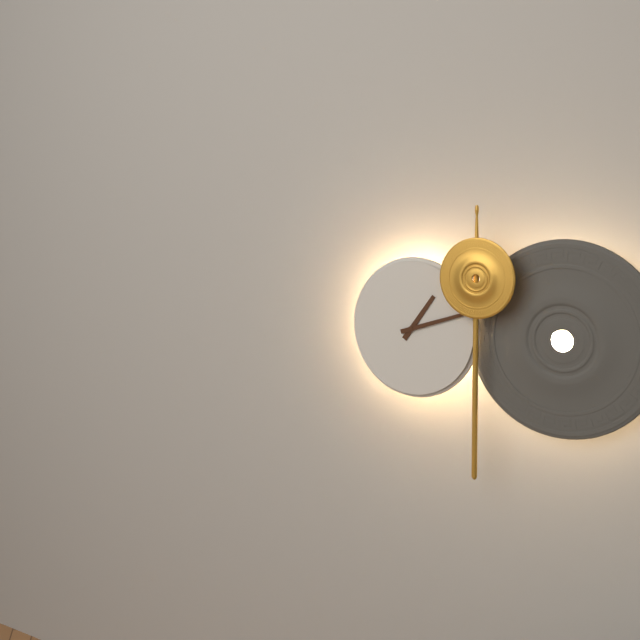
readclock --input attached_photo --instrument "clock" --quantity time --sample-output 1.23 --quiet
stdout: 1.12
